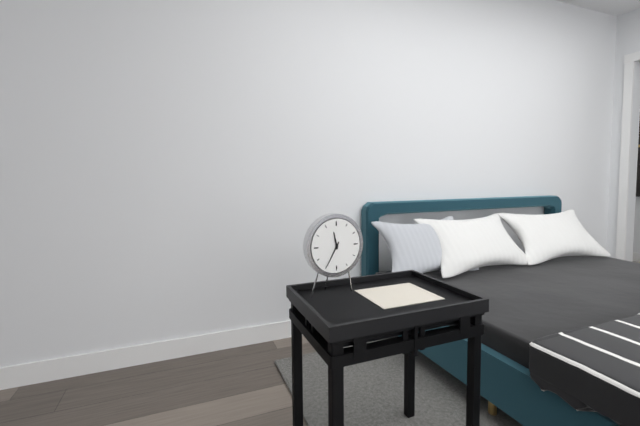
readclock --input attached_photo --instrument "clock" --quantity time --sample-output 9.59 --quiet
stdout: 11.35
